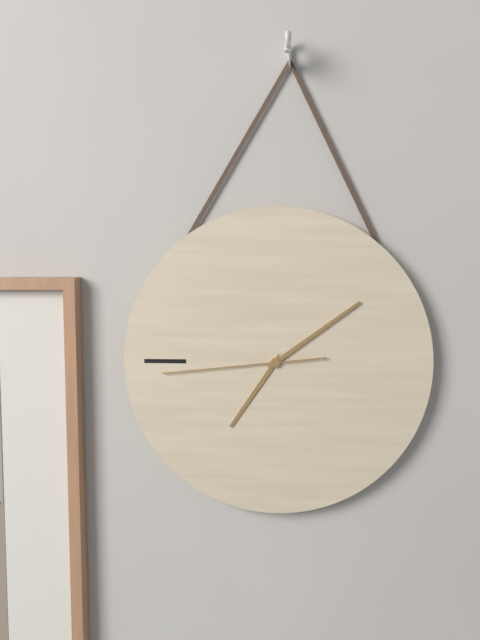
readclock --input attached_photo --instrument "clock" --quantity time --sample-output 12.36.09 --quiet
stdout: 7.09.44
